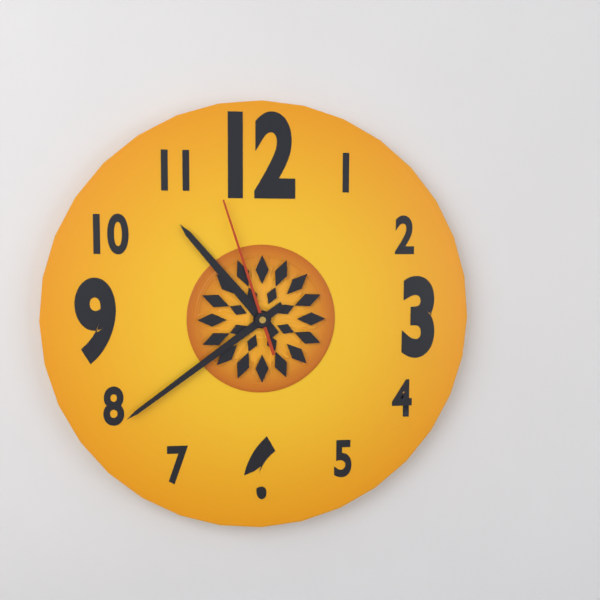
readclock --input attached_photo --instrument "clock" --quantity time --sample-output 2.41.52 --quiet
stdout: 10.39.57
